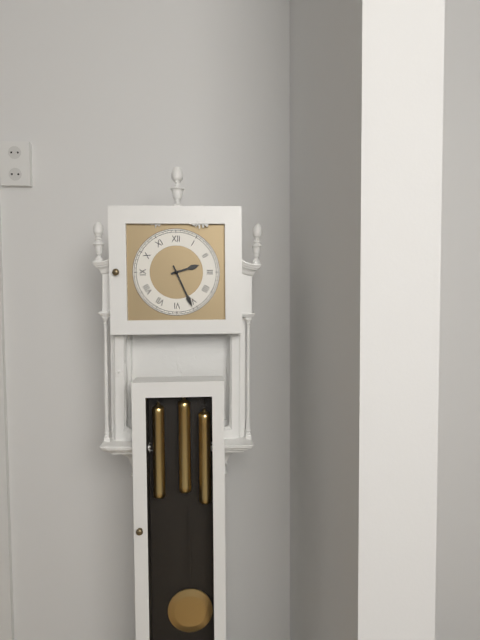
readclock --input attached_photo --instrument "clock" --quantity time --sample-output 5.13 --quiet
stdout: 2.26
